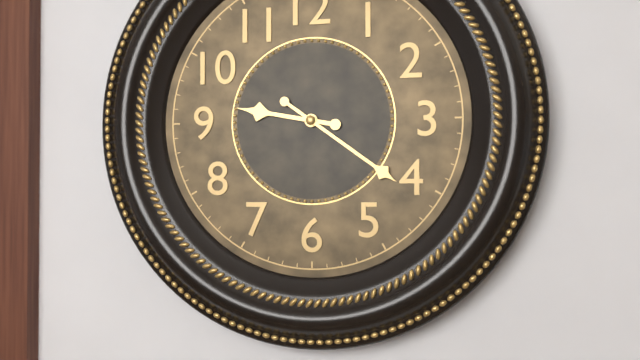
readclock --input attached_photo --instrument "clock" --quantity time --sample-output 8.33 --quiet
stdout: 9.21
